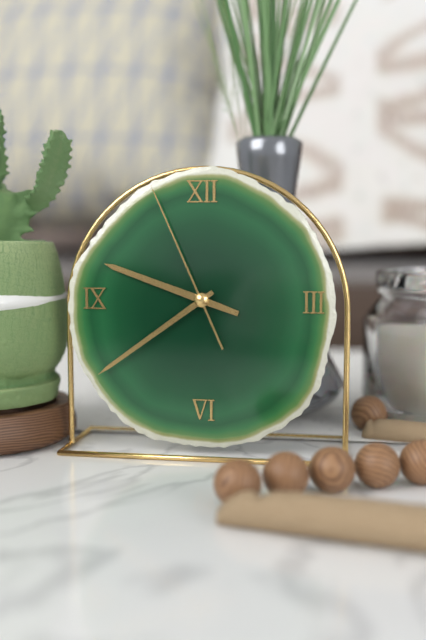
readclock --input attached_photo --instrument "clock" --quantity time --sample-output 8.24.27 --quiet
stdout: 9.39.56
